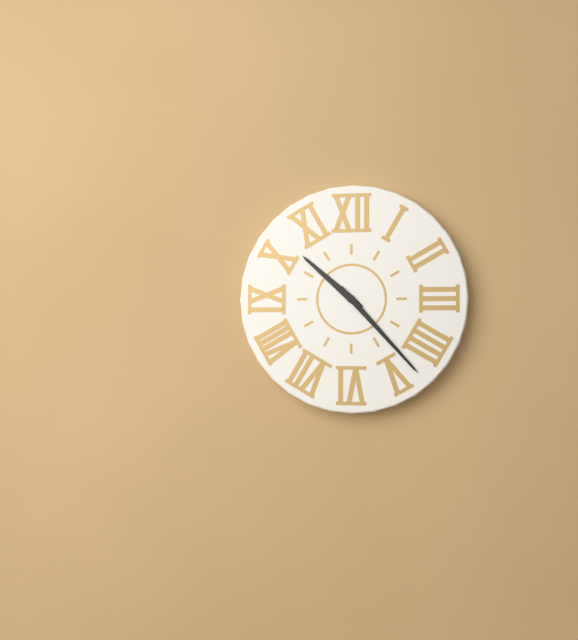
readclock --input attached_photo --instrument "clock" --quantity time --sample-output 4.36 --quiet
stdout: 10.23
